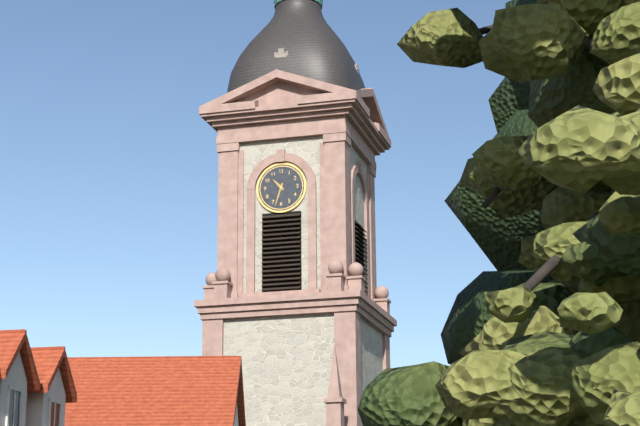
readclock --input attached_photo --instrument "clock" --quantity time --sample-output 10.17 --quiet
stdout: 10.33
